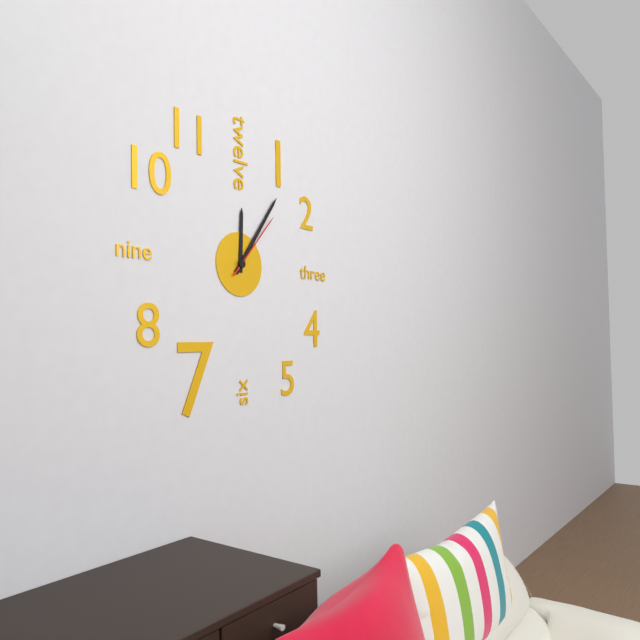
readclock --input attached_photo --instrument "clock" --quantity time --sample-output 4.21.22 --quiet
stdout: 12.06.07
